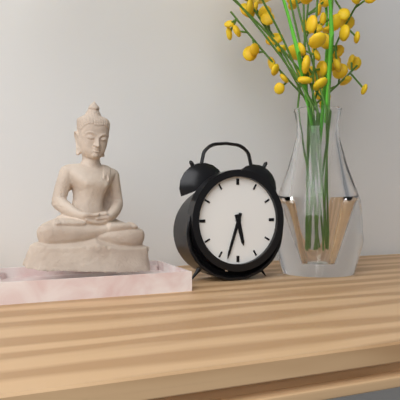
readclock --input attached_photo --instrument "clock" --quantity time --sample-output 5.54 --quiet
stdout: 5.33
